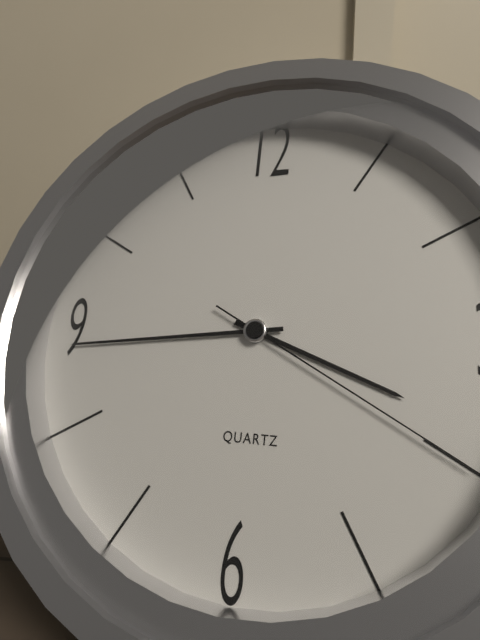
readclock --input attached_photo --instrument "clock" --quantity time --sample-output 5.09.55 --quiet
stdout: 3.44.20
